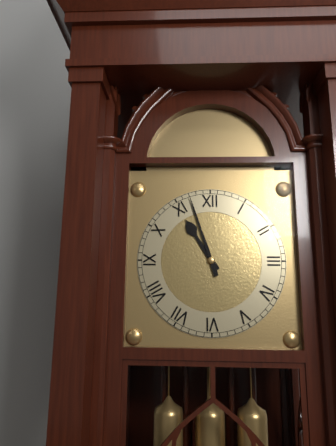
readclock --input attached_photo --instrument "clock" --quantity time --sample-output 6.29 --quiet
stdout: 10.57
